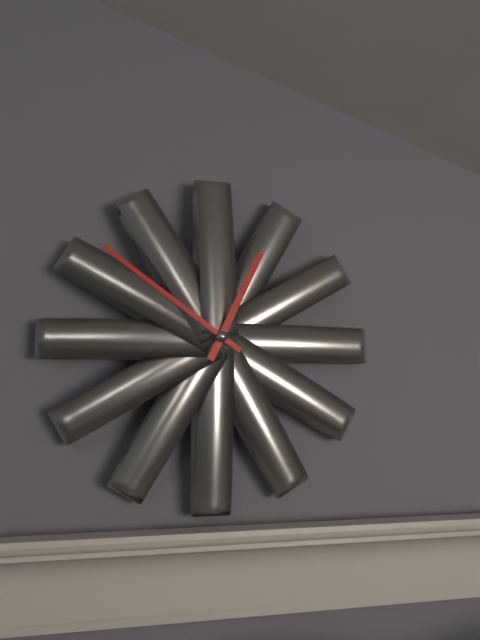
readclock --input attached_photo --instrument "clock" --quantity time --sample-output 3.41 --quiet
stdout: 12.51
